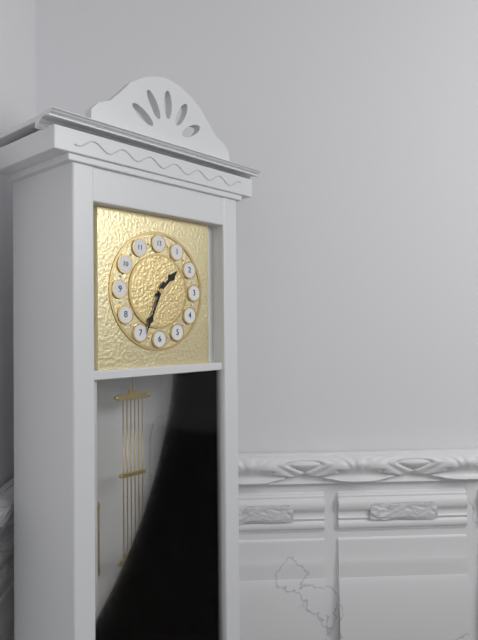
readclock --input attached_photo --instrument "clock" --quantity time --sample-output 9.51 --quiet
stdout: 1.34
